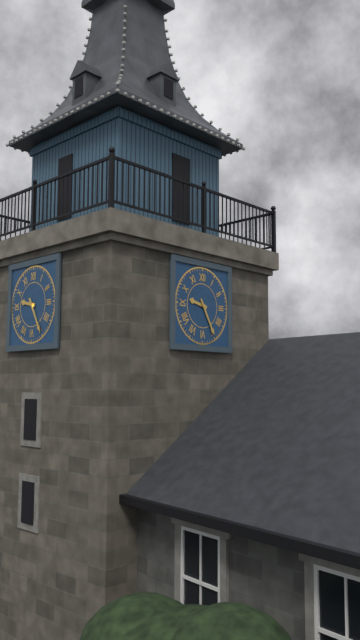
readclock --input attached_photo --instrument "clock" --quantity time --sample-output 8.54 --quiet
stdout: 9.25
